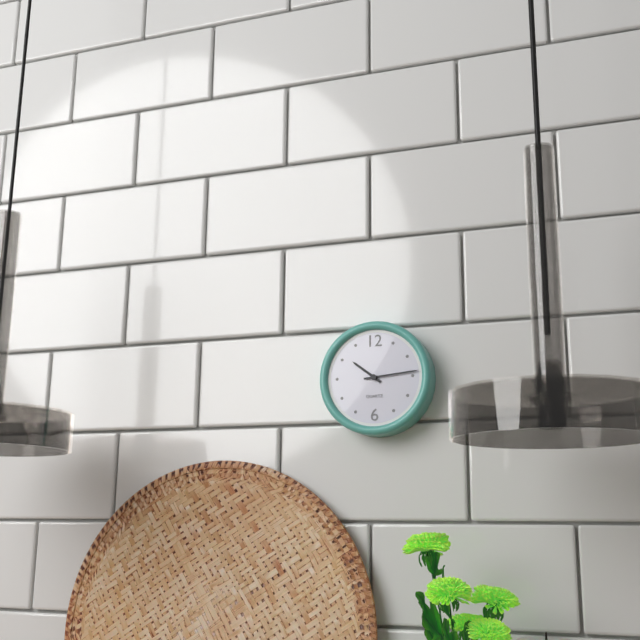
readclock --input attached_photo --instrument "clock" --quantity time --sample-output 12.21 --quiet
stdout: 10.14
